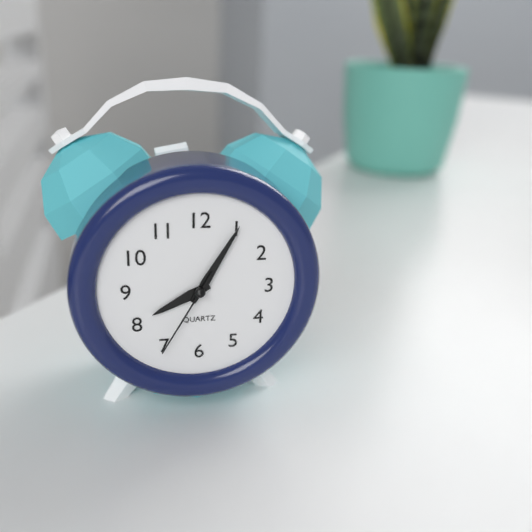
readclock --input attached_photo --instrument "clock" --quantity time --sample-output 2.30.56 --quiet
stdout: 8.05.35
